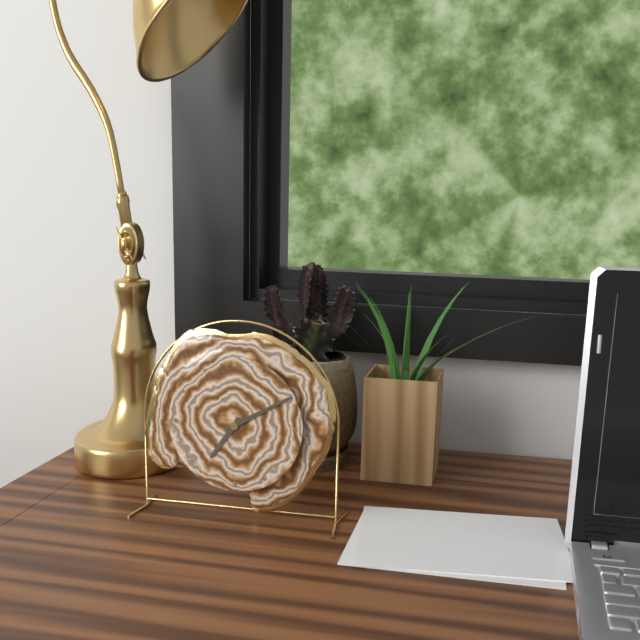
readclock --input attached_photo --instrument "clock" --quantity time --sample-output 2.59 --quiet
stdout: 7.10
